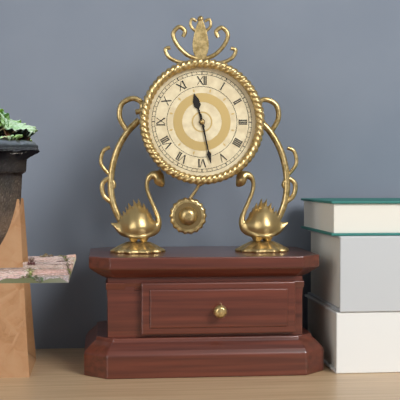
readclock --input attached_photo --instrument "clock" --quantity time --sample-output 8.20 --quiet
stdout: 11.28
